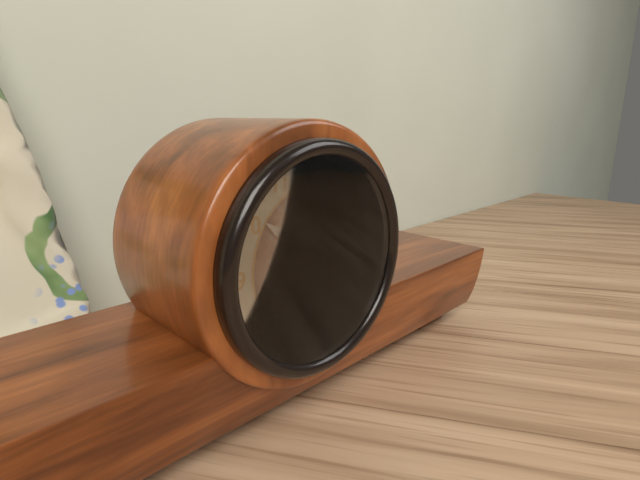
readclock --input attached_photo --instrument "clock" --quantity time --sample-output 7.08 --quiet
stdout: 1.51
